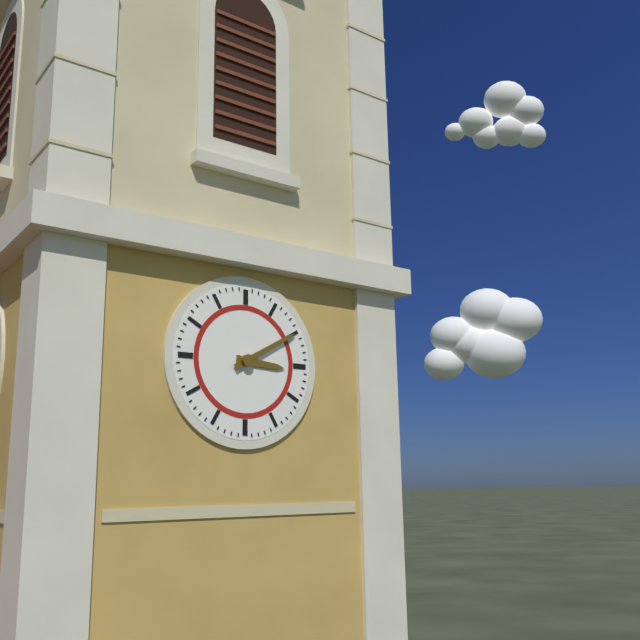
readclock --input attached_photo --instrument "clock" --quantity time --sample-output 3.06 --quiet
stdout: 3.10
